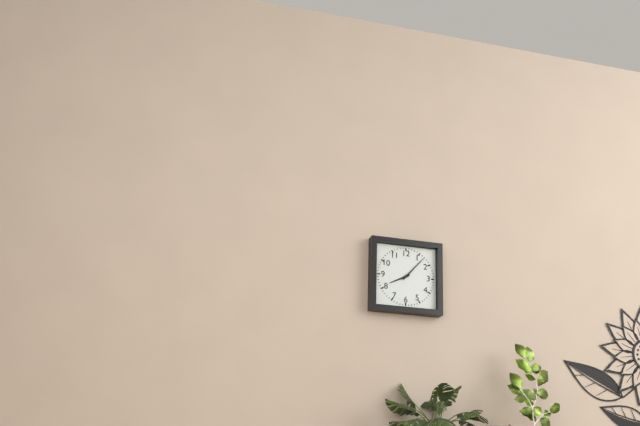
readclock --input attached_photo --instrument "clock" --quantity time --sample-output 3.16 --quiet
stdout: 8.07
